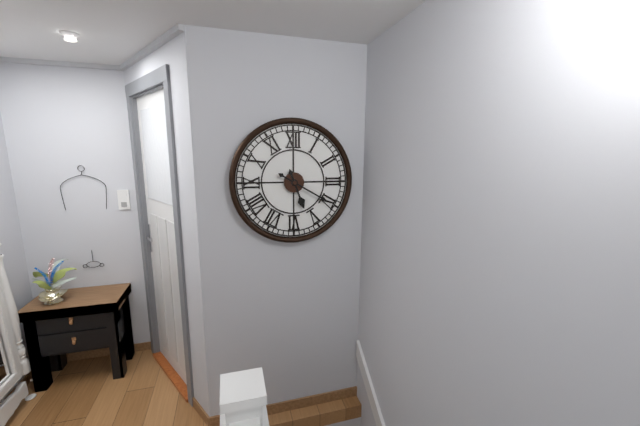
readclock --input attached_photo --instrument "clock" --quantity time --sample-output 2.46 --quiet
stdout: 5.20
